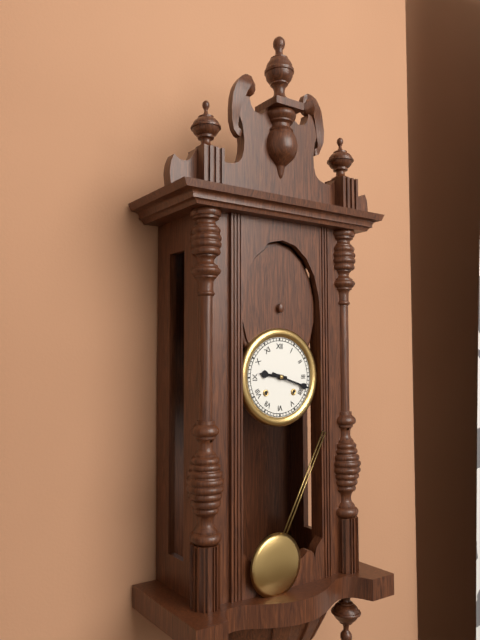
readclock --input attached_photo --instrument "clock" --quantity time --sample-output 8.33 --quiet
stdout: 9.18
